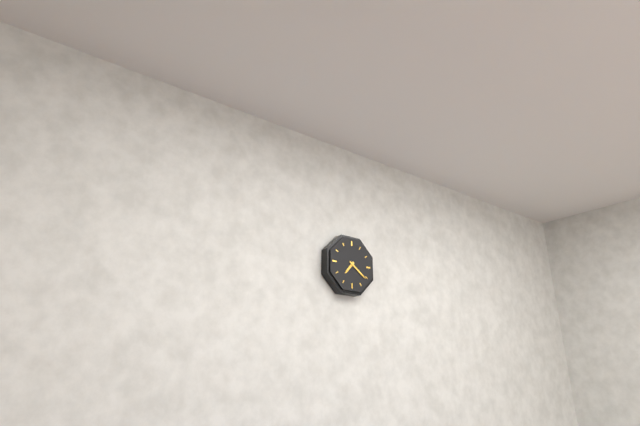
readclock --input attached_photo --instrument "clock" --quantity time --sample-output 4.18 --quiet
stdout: 7.21
